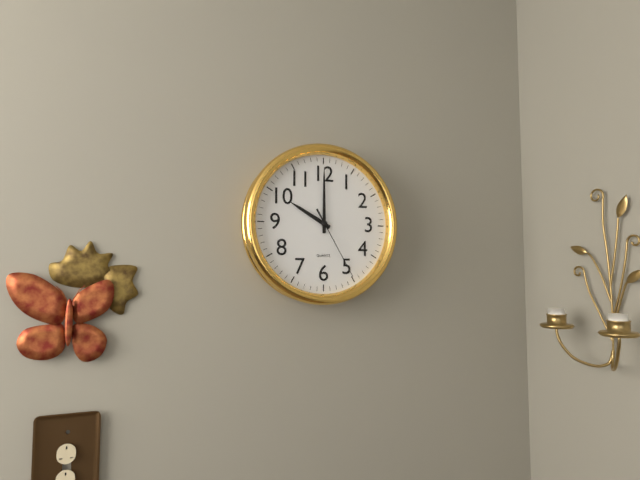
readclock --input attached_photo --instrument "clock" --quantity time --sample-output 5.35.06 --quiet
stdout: 10.00.25
